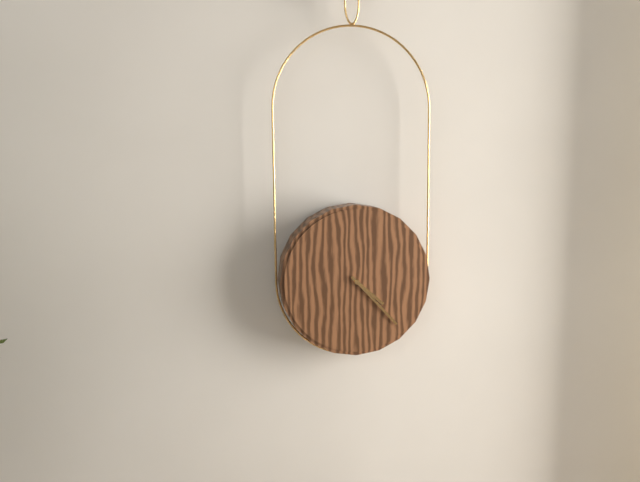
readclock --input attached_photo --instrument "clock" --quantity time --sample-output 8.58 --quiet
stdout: 4.23
